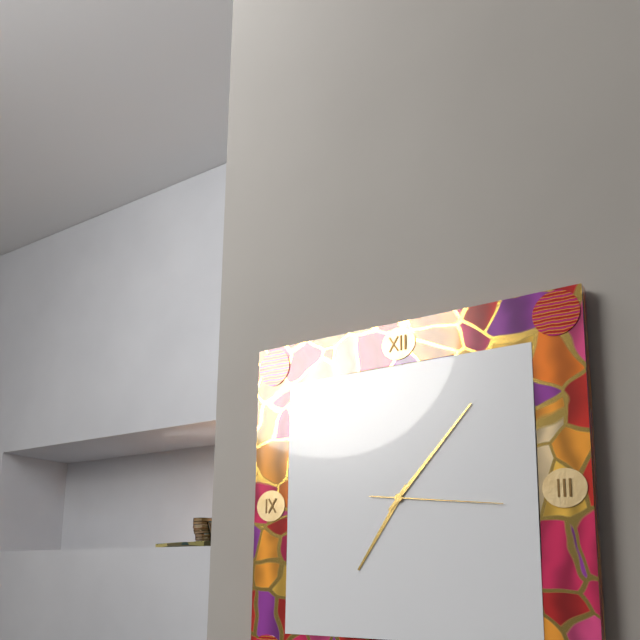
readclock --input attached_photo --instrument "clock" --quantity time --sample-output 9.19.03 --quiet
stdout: 7.07.16
